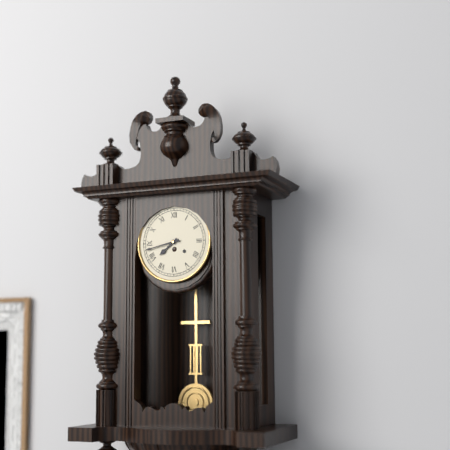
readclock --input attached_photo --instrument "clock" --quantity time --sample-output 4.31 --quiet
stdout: 7.43
